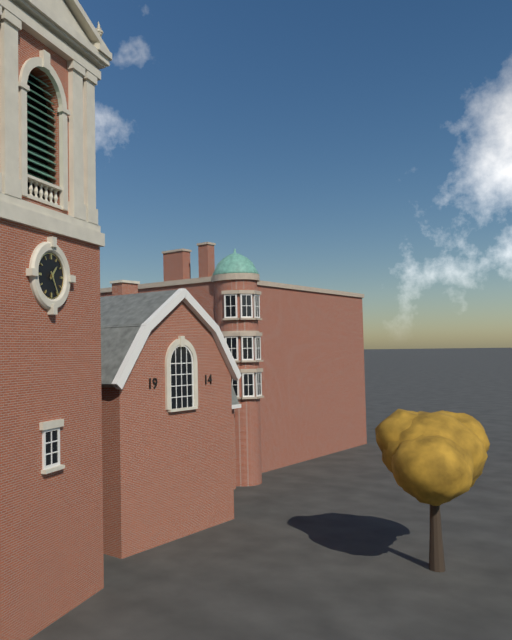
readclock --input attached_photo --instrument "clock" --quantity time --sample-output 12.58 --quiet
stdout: 1.25
